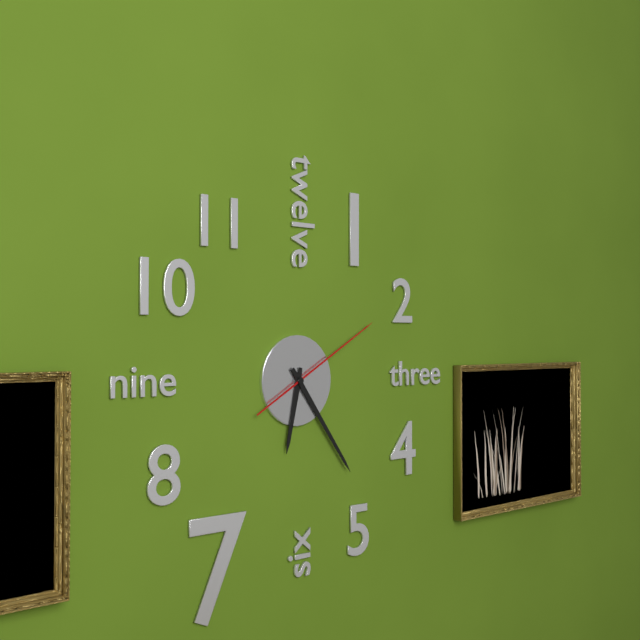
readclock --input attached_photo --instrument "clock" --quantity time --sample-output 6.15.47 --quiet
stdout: 6.24.10
